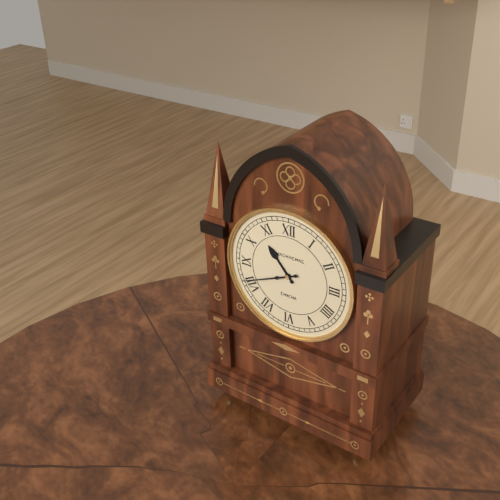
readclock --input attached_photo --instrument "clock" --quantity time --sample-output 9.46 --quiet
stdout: 10.41
